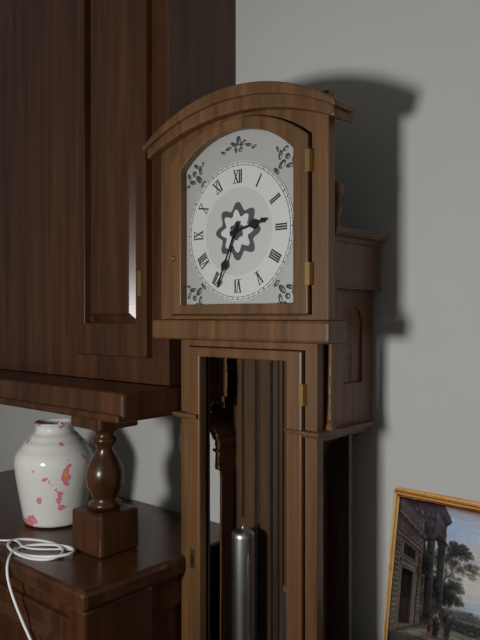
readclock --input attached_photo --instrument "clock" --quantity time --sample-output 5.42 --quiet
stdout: 2.34
